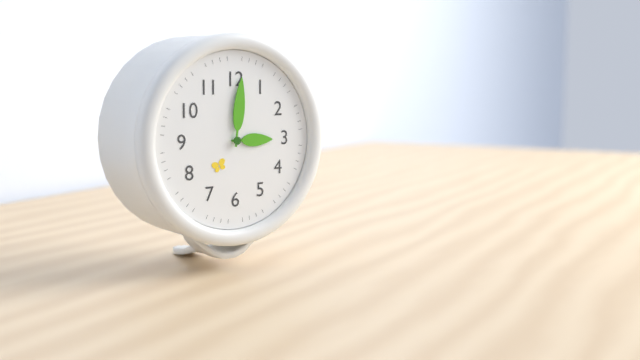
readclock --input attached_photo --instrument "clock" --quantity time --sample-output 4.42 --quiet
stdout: 3.01
